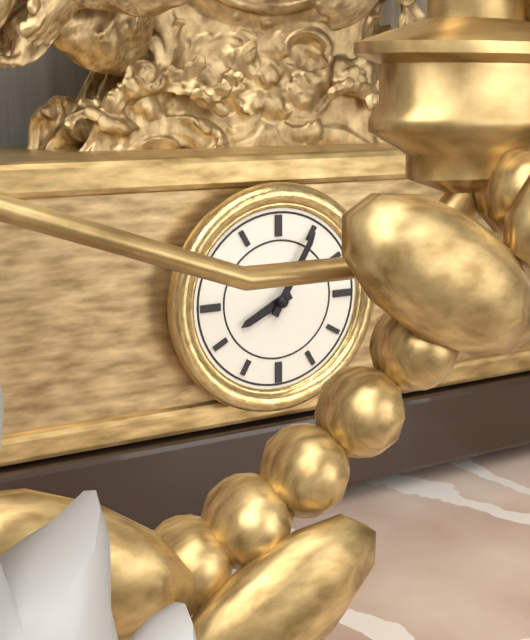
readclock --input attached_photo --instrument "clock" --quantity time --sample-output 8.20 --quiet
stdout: 8.05
